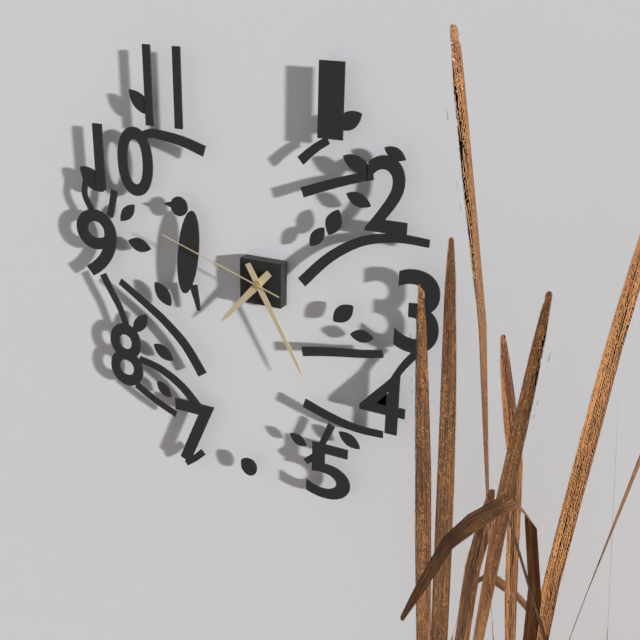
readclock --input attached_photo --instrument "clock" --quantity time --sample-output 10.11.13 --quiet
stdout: 7.25.48
